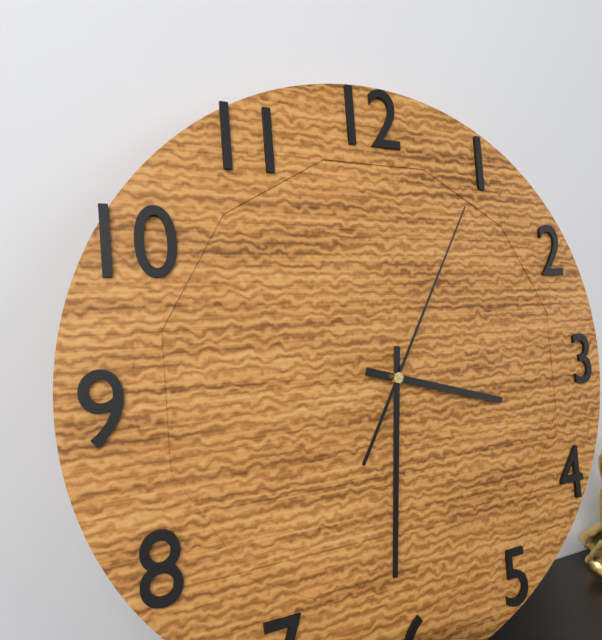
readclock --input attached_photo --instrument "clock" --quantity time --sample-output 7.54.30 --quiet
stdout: 3.31.05
